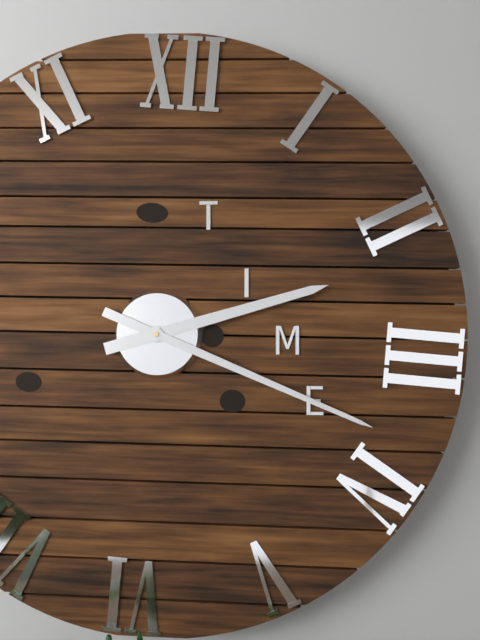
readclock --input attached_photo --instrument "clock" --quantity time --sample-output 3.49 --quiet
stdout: 2.18
